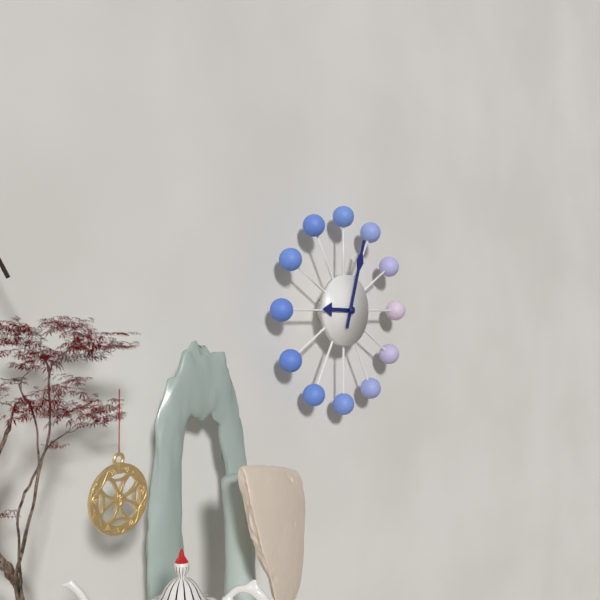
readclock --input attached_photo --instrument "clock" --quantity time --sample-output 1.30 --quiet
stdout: 9.03
